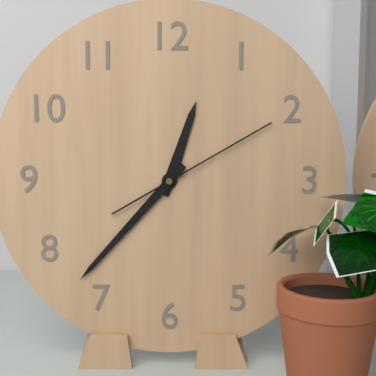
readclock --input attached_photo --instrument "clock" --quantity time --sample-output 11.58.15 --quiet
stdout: 12.37.10
